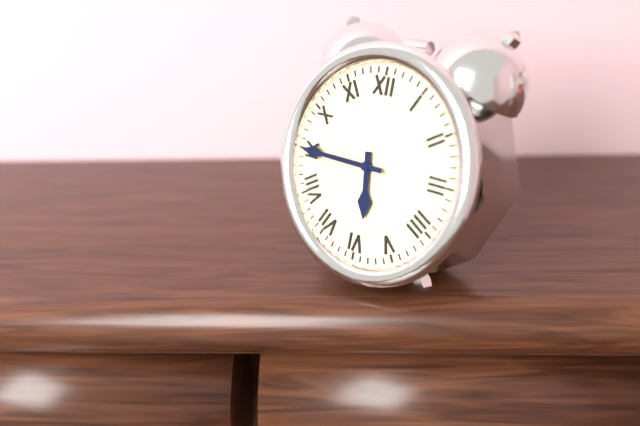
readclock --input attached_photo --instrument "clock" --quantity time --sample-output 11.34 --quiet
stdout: 5.45
